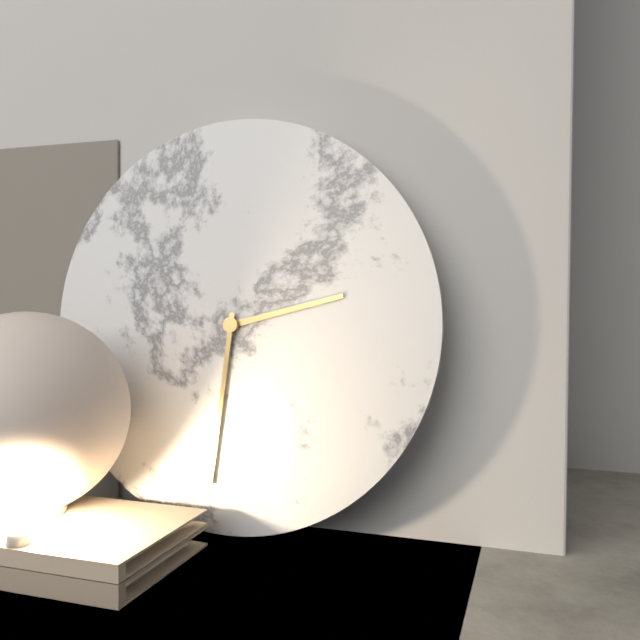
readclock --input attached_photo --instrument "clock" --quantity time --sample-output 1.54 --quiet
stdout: 2.31
